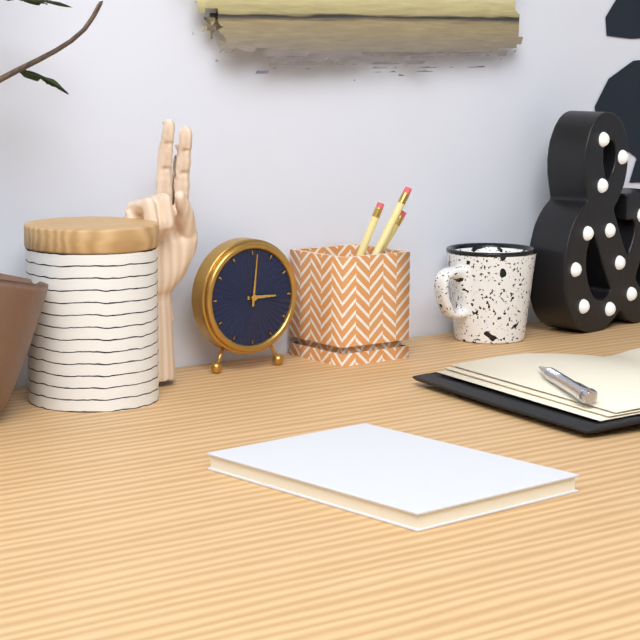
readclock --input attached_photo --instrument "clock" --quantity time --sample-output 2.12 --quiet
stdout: 3.01
